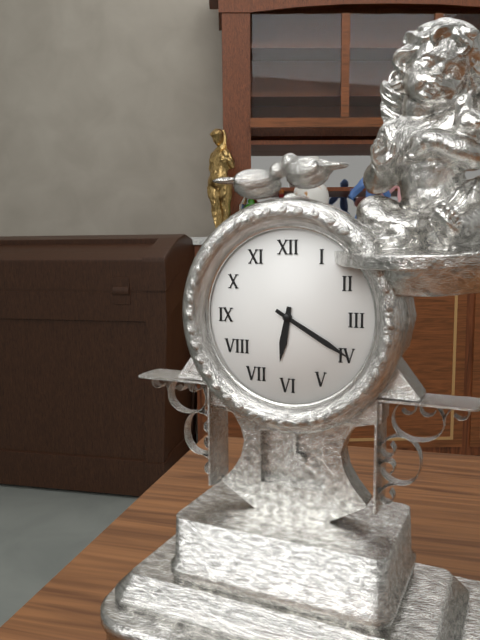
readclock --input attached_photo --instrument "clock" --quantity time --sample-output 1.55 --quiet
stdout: 6.20
